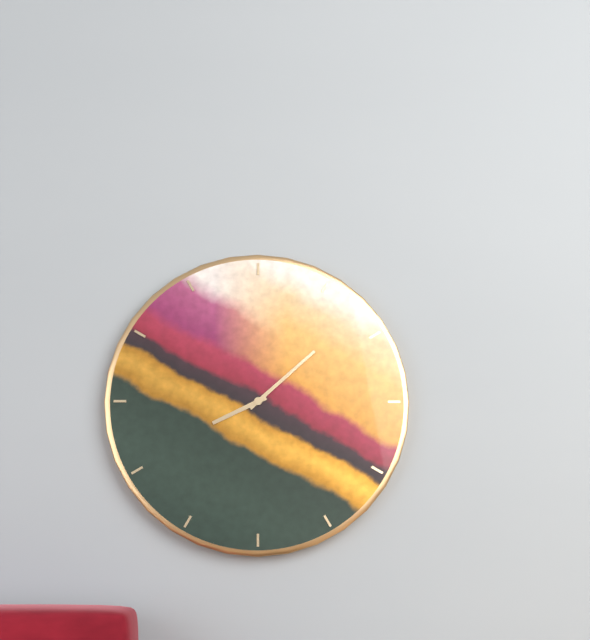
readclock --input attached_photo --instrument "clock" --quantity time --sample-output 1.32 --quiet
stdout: 8.08
